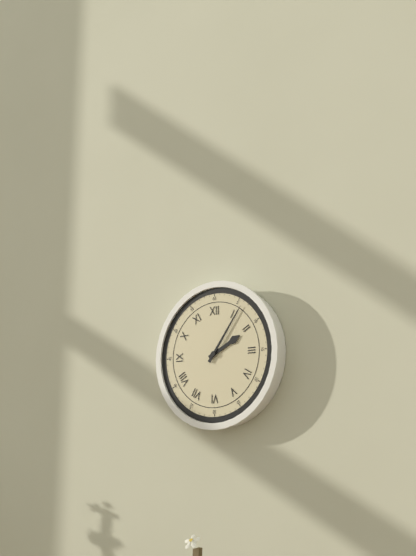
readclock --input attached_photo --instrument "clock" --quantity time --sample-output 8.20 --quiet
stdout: 2.06
